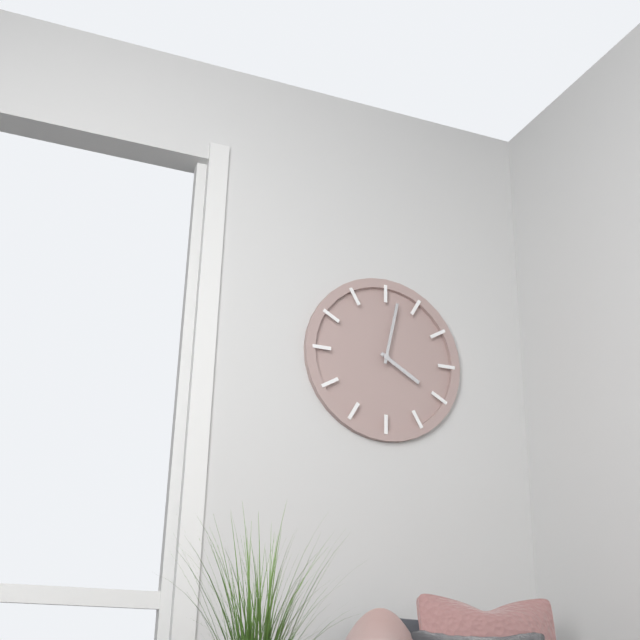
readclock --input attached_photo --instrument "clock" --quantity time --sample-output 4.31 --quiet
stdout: 4.02
